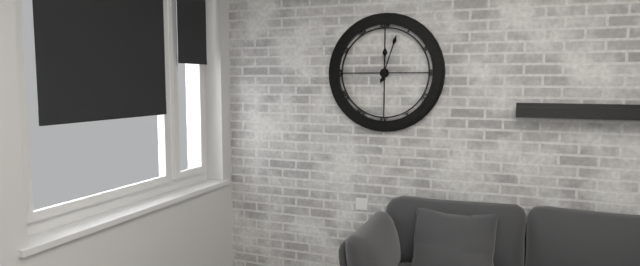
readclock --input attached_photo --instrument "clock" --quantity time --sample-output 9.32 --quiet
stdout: 12.03
